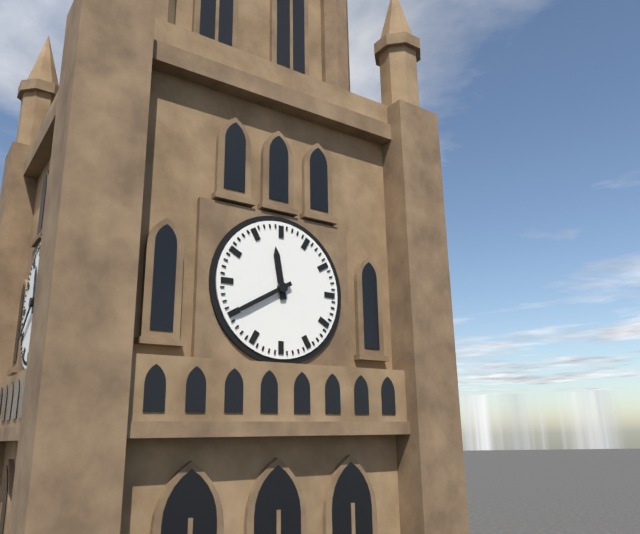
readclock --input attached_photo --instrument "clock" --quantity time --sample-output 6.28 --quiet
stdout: 11.40
